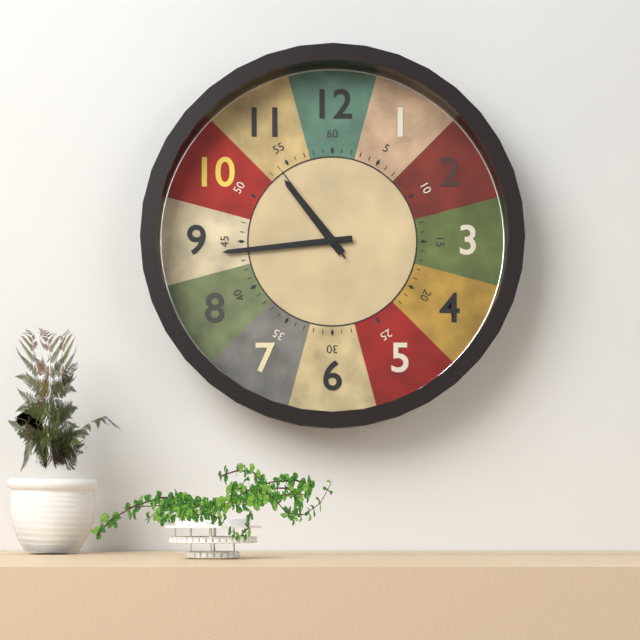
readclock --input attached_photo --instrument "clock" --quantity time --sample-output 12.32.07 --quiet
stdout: 10.44.54
